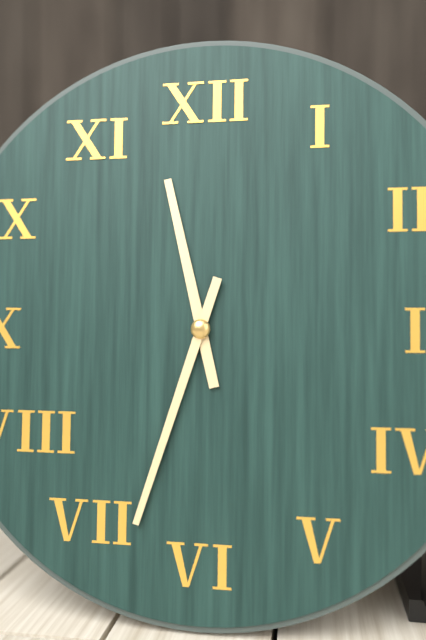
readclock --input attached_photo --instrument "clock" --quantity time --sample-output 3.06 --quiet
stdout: 11.33
